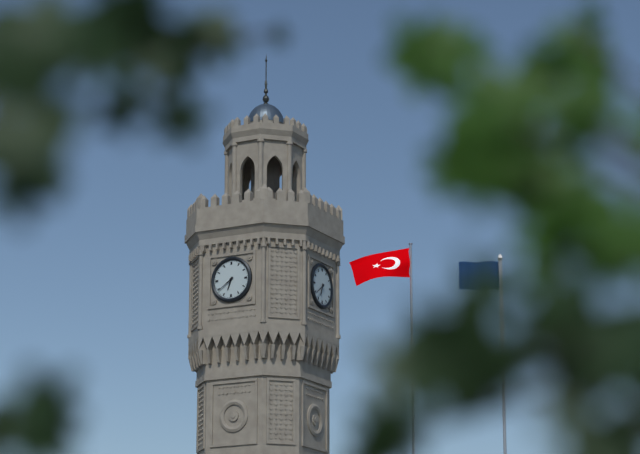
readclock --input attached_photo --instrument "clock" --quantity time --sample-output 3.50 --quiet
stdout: 6.39
